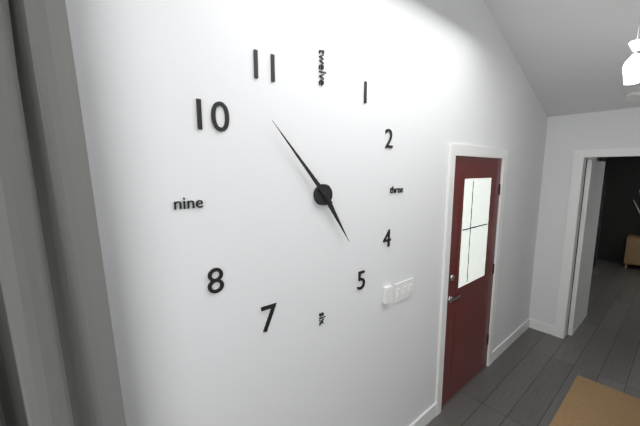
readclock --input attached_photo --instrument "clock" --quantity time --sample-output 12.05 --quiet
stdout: 4.53
